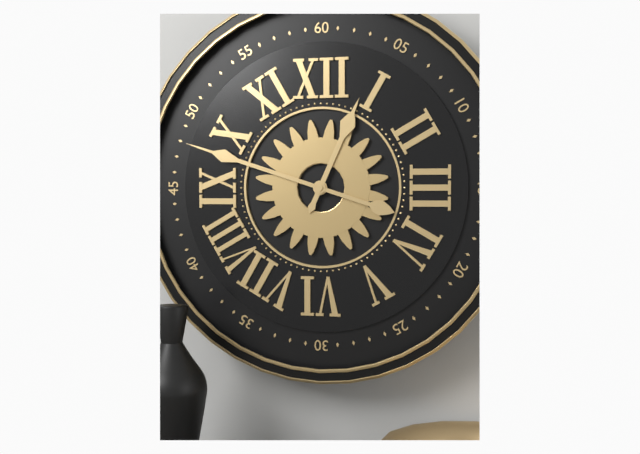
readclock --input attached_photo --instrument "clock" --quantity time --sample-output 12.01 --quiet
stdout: 12.48
